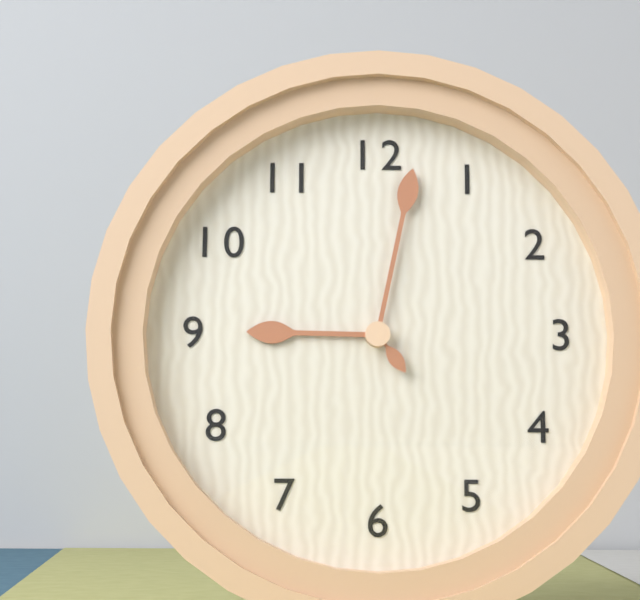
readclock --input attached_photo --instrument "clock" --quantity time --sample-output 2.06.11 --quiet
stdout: 9.02.24
